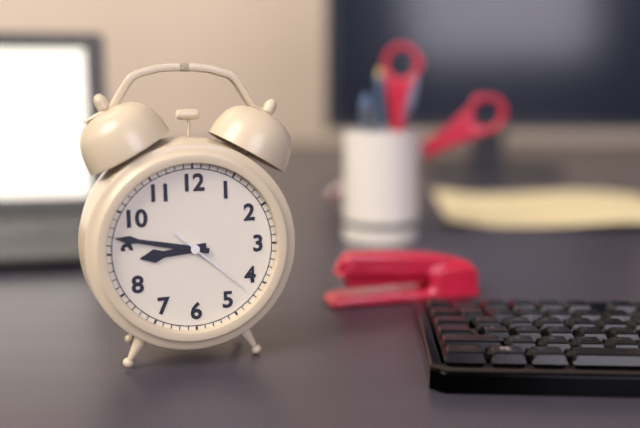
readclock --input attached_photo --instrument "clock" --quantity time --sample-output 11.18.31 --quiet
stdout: 8.47.22
